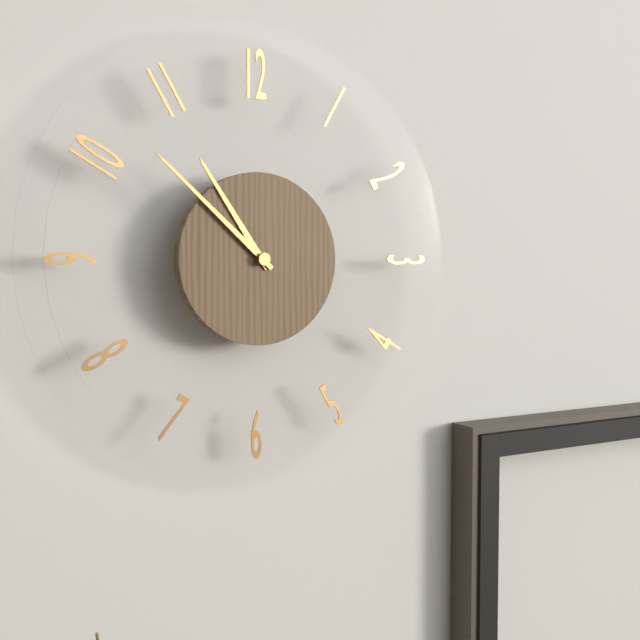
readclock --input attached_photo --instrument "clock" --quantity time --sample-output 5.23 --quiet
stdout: 10.52
